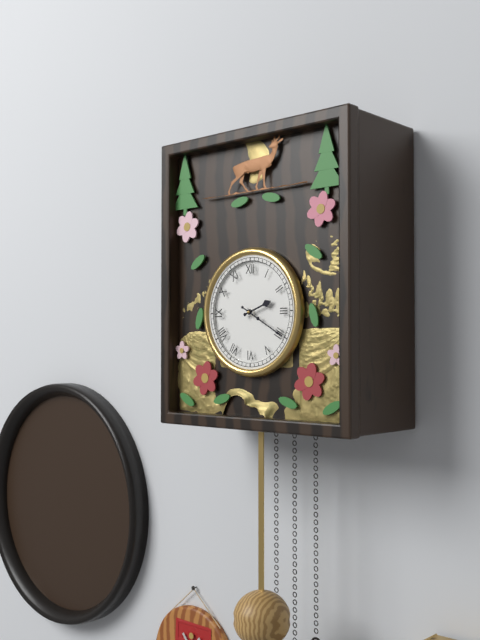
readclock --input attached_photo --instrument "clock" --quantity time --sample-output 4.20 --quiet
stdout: 2.20
